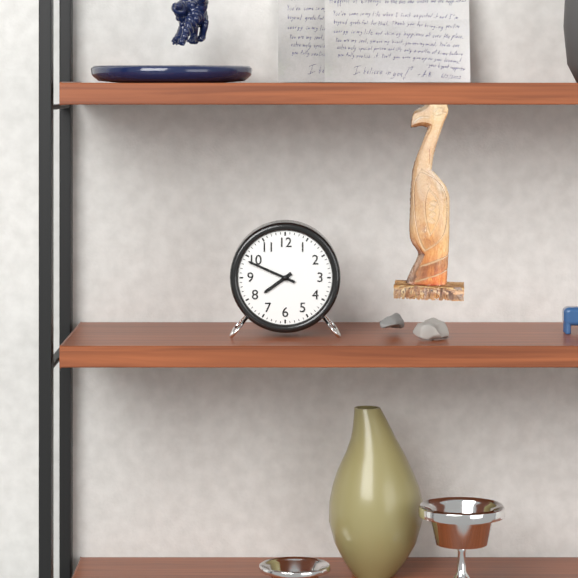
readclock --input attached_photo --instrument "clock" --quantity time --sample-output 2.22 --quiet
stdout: 7.49
